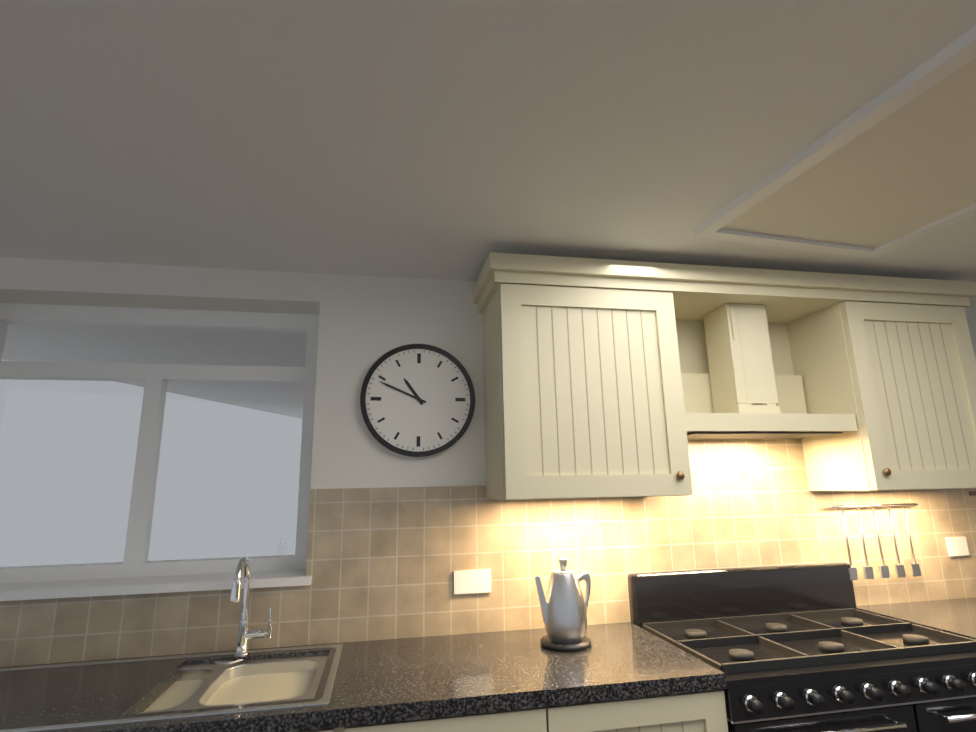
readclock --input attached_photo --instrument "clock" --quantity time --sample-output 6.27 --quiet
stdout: 10.49
